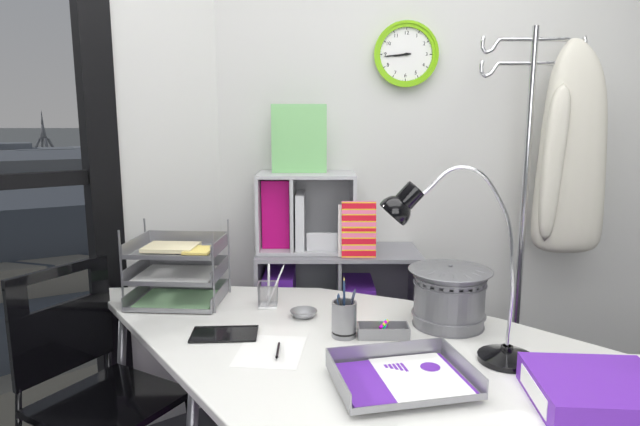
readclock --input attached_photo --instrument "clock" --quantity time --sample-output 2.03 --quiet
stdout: 8.44
